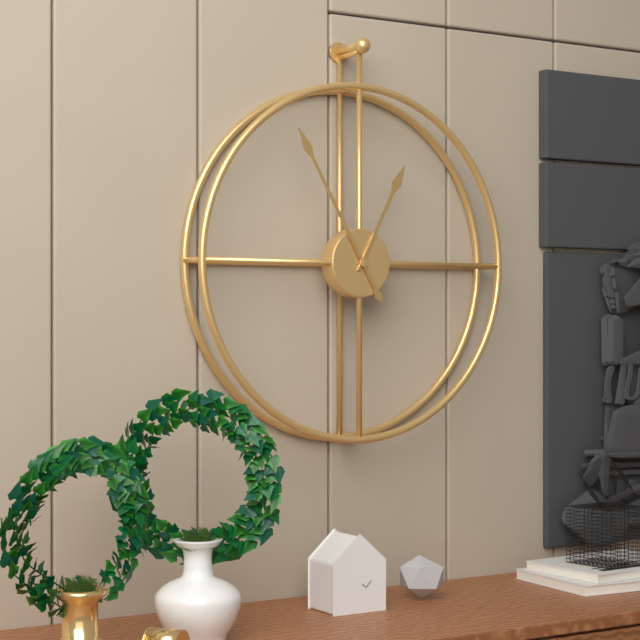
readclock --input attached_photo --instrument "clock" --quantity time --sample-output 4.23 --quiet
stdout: 12.55
